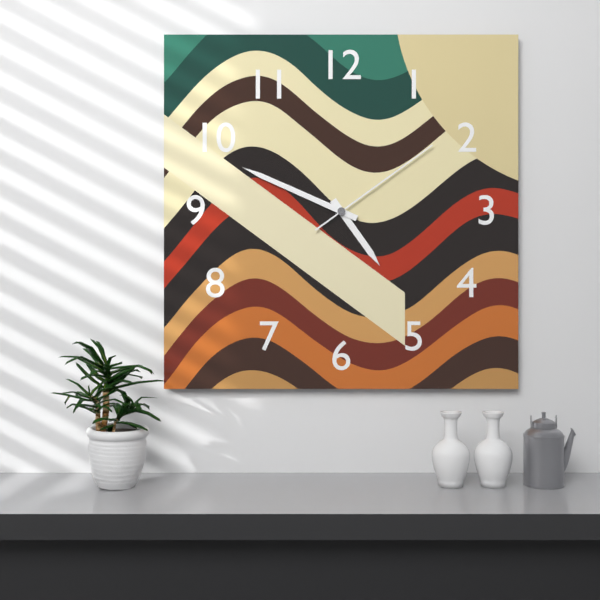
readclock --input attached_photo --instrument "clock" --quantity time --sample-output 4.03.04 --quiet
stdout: 4.49.09
